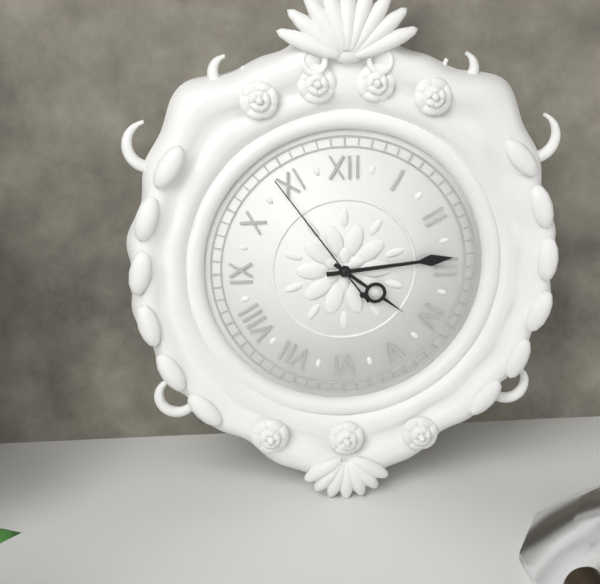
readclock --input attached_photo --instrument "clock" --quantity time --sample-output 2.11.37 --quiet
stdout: 4.14.54
